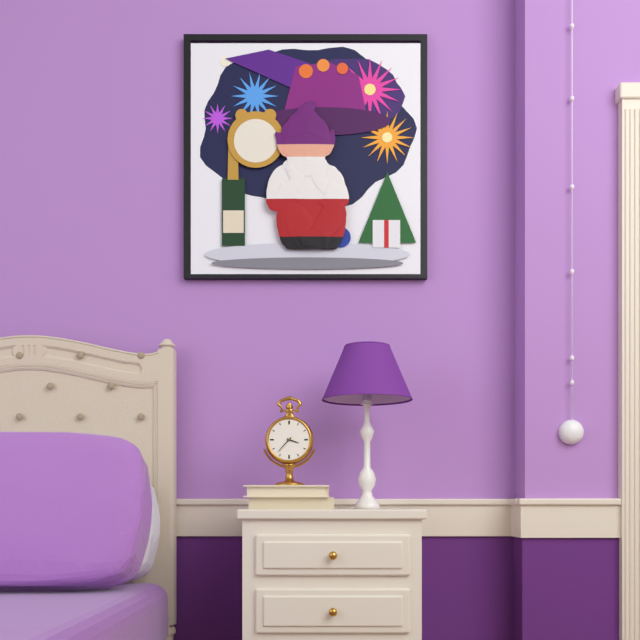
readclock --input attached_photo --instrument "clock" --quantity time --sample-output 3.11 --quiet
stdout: 3.37
